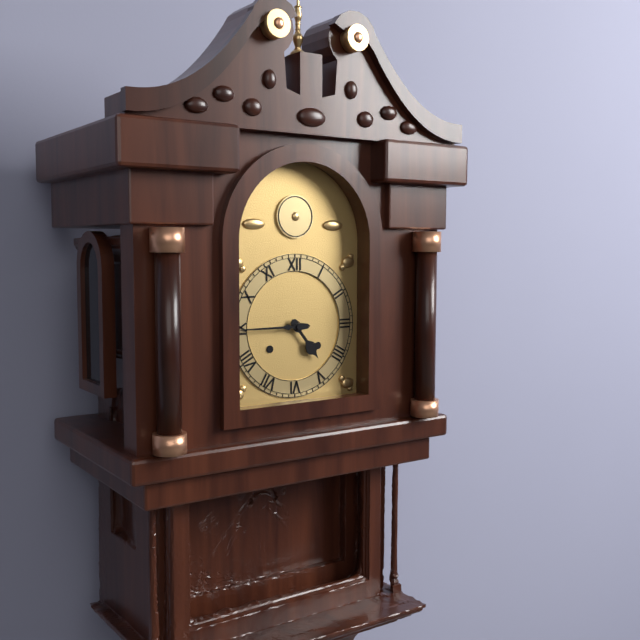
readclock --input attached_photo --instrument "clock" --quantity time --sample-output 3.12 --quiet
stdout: 4.45
